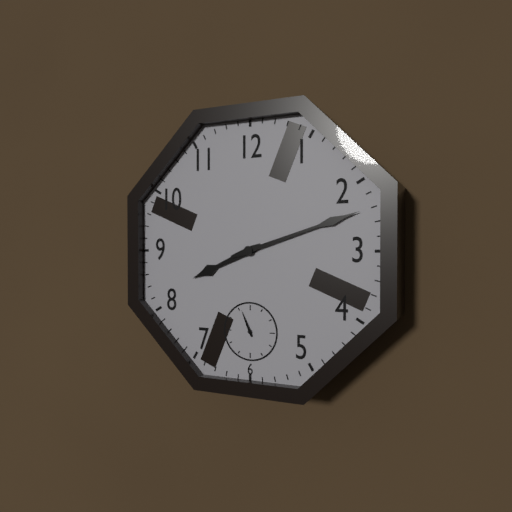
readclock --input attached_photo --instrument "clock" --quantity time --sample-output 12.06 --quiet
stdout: 8.12
